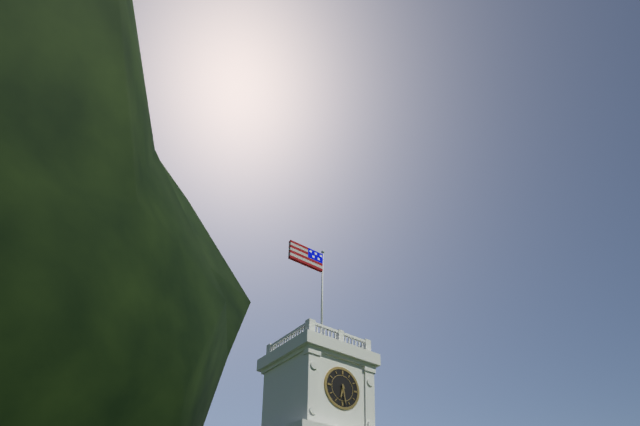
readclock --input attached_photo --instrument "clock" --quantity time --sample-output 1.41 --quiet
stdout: 6.28
